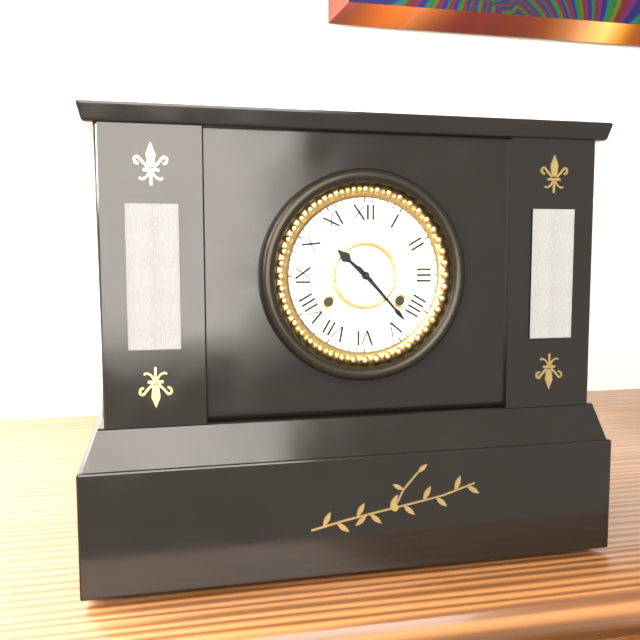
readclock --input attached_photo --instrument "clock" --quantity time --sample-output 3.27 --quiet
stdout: 10.23
